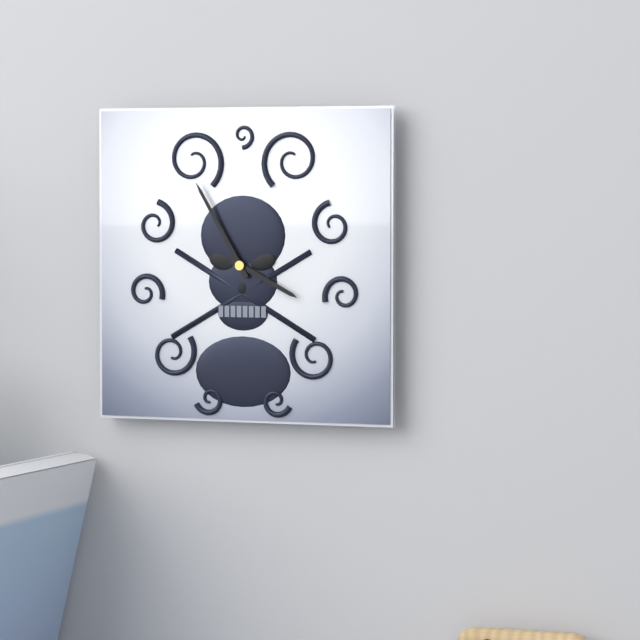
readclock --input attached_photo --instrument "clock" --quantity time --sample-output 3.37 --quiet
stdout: 3.55
